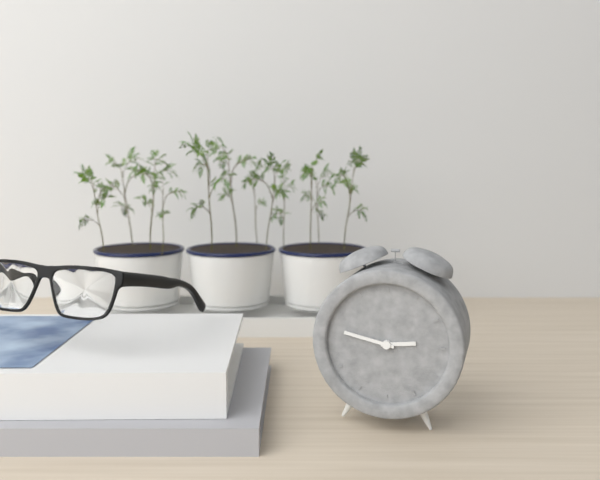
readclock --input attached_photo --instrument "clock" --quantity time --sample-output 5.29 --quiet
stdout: 2.47
